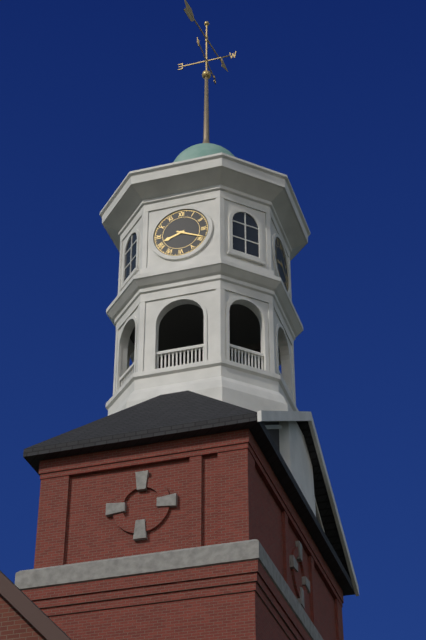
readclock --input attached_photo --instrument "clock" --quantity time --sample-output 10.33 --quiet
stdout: 8.19
